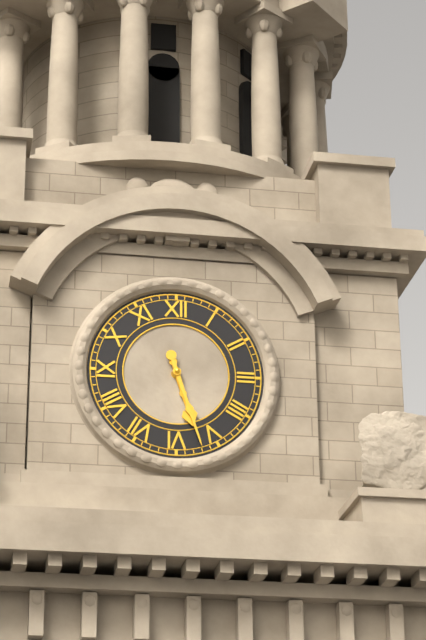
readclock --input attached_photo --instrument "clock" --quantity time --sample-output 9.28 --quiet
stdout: 5.27
